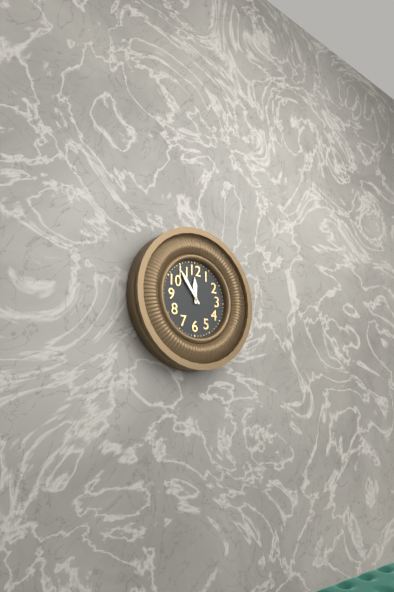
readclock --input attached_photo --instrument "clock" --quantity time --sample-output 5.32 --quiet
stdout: 11.54
